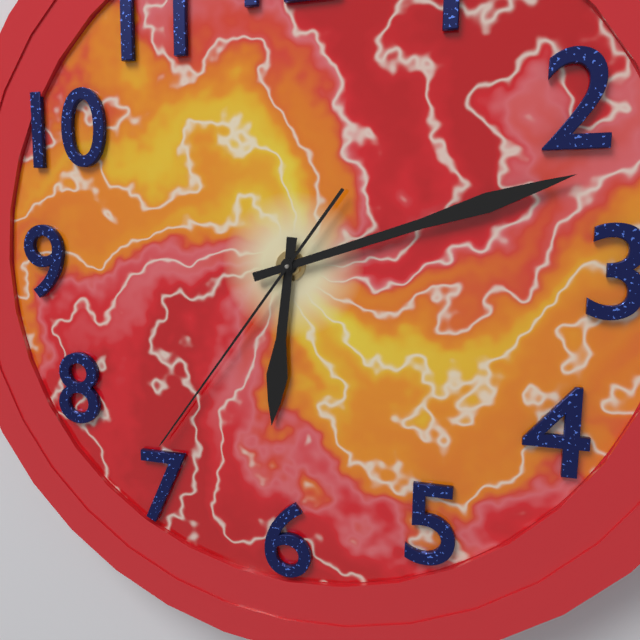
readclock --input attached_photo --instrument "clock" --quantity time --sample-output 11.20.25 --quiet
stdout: 6.12.36
